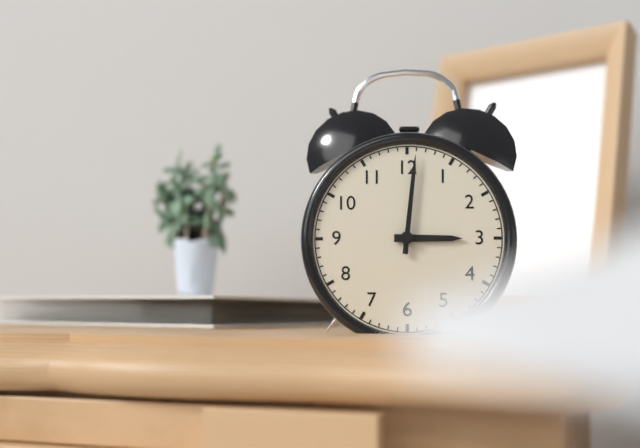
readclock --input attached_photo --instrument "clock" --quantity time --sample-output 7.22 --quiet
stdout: 3.01
